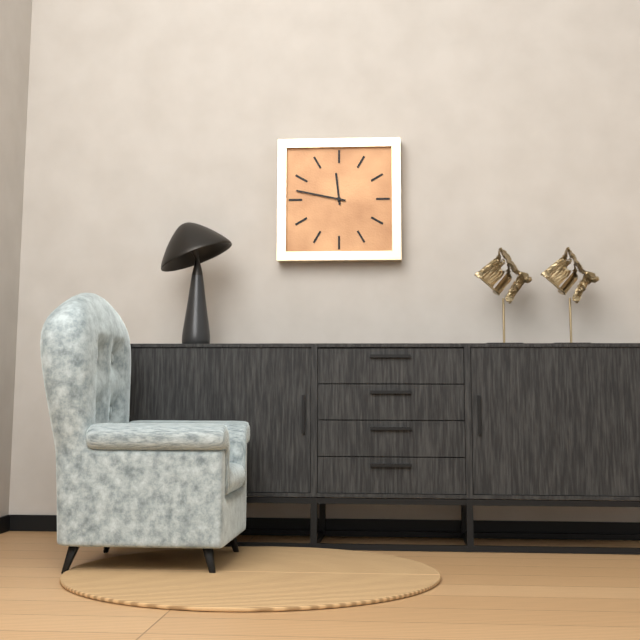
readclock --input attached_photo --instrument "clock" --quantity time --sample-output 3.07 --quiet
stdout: 11.47
